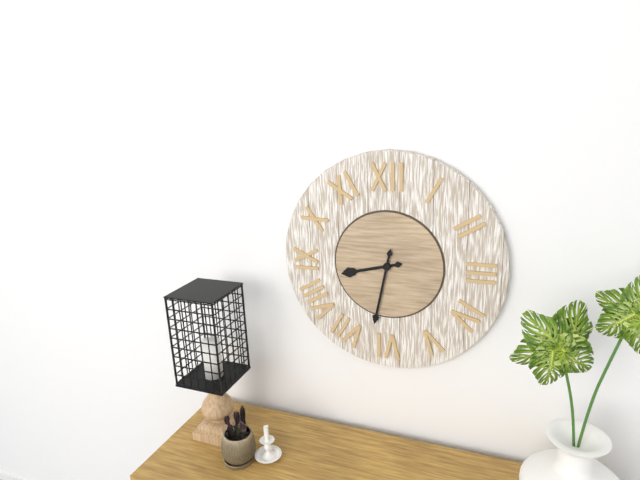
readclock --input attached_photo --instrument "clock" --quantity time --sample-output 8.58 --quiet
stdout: 8.32
